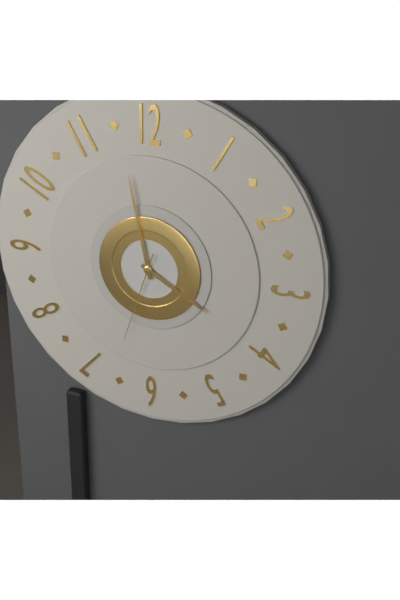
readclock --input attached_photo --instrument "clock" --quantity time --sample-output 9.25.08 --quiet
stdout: 3.58.33
